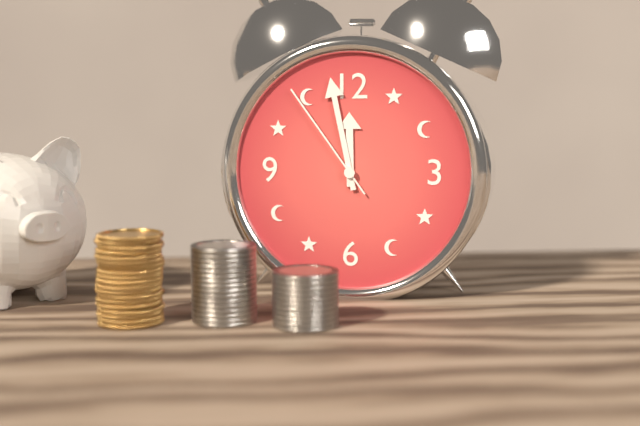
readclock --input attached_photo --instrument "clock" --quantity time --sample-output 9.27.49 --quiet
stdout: 11.58.54
